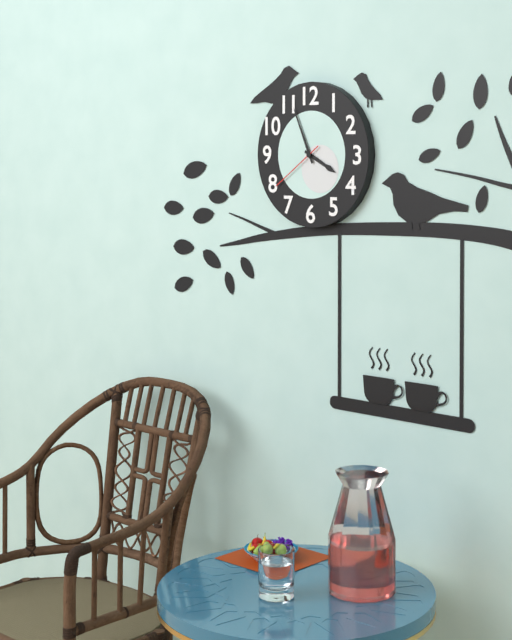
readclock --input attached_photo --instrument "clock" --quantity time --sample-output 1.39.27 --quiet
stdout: 3.56.39
